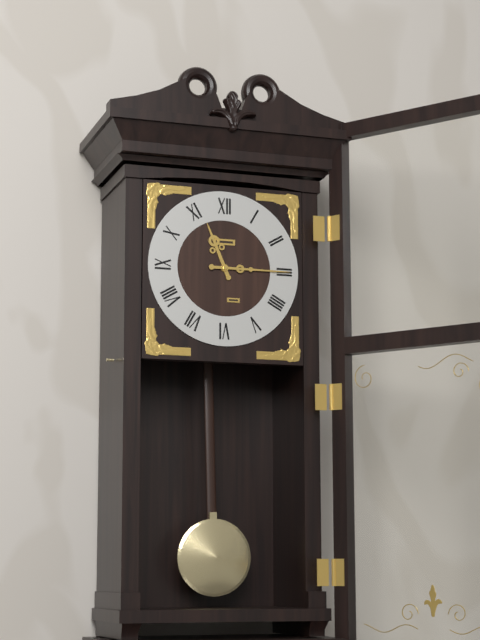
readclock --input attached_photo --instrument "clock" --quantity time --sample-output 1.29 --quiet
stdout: 11.15
